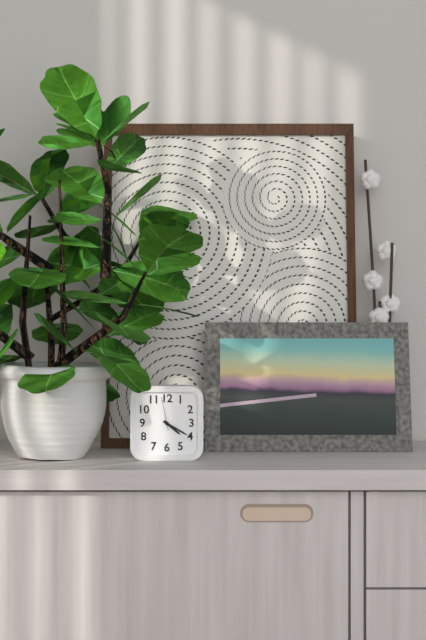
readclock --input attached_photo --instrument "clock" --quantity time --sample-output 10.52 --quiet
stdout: 4.20
